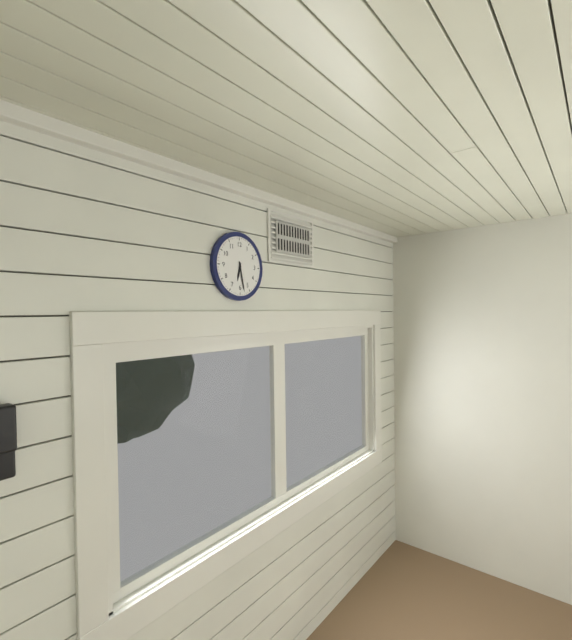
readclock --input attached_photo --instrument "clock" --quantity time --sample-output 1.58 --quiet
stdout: 6.28
